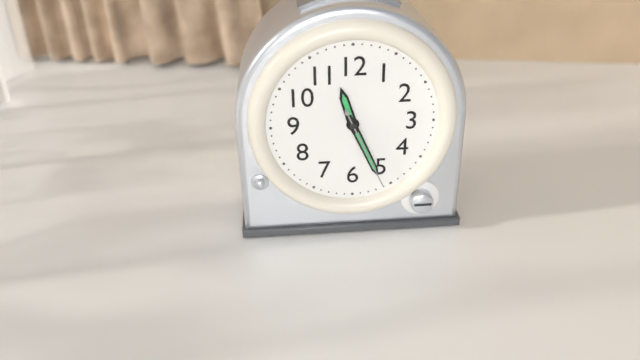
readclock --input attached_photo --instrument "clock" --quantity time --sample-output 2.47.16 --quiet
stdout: 11.26.26
